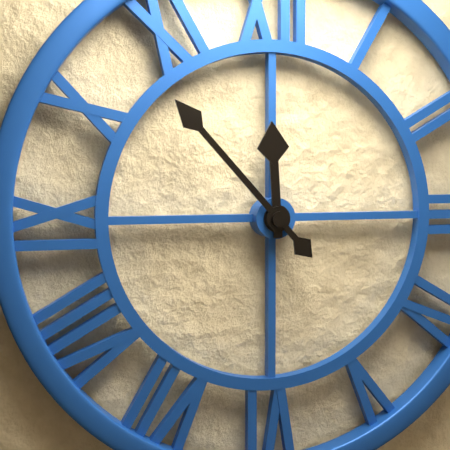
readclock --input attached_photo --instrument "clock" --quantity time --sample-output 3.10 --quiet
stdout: 11.53
